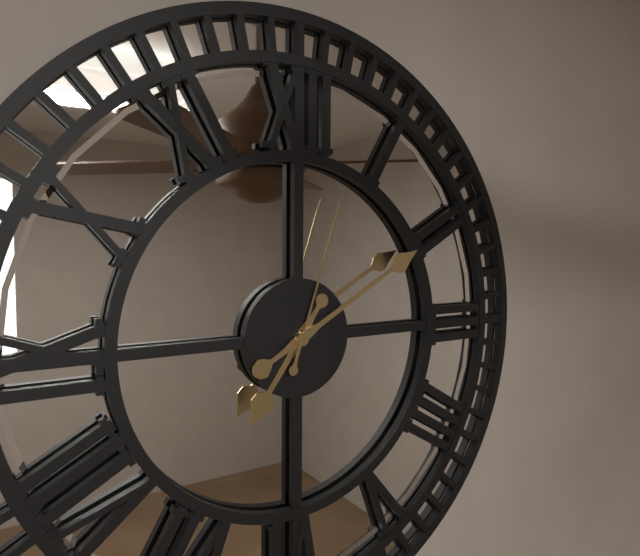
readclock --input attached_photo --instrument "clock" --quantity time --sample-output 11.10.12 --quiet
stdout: 7.10.03
